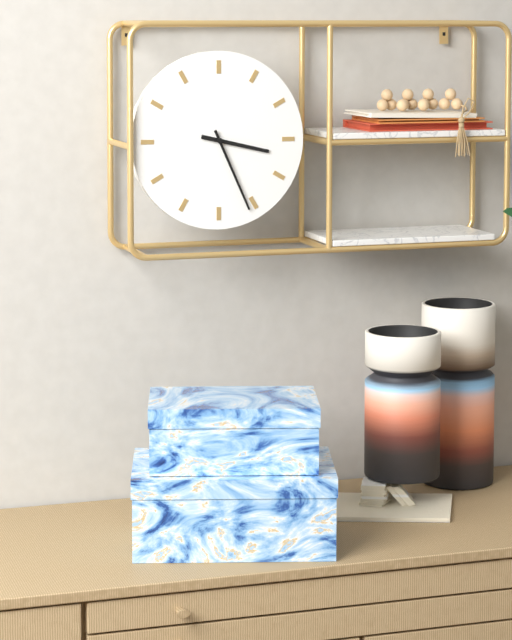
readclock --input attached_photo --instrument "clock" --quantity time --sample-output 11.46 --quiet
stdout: 3.26
